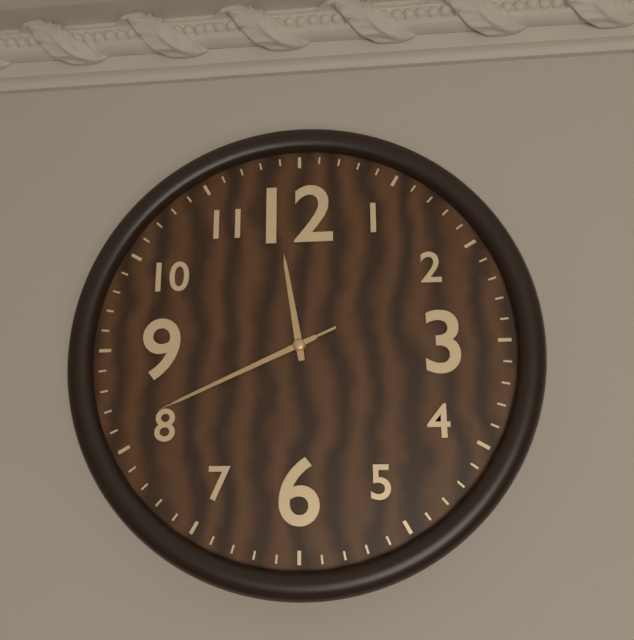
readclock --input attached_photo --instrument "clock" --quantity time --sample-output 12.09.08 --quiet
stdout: 11.41.41
